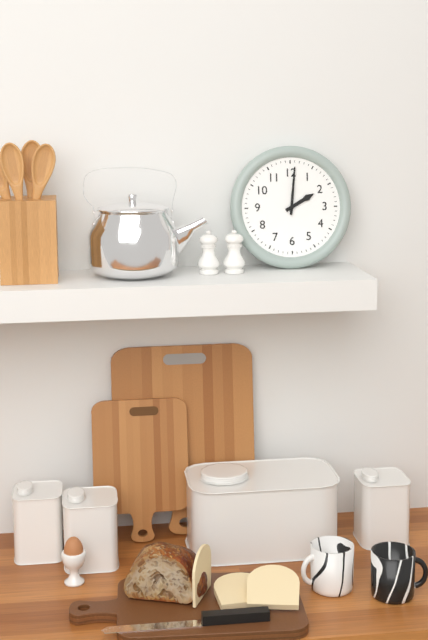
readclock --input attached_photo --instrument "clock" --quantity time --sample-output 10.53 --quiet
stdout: 2.01
